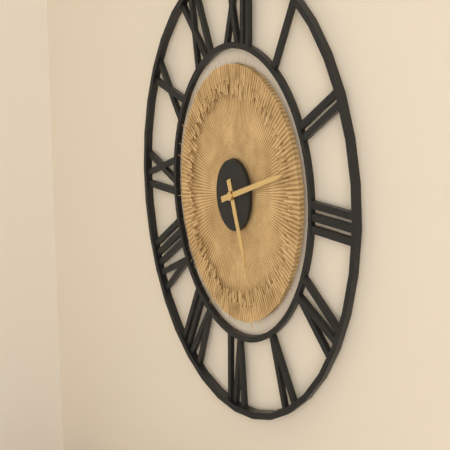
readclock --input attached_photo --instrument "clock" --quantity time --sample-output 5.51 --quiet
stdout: 5.12
